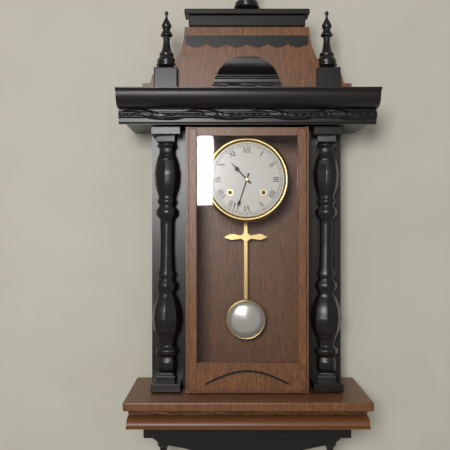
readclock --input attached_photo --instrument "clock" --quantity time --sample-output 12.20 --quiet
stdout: 10.33
